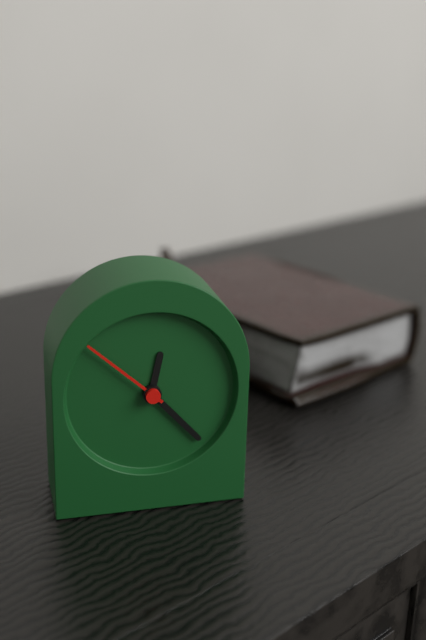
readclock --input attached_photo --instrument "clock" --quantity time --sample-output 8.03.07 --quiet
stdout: 12.23.52
